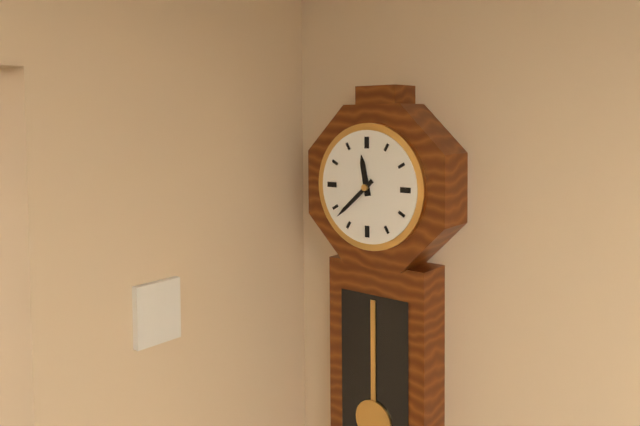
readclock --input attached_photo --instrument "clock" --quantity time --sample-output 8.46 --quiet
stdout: 11.38
